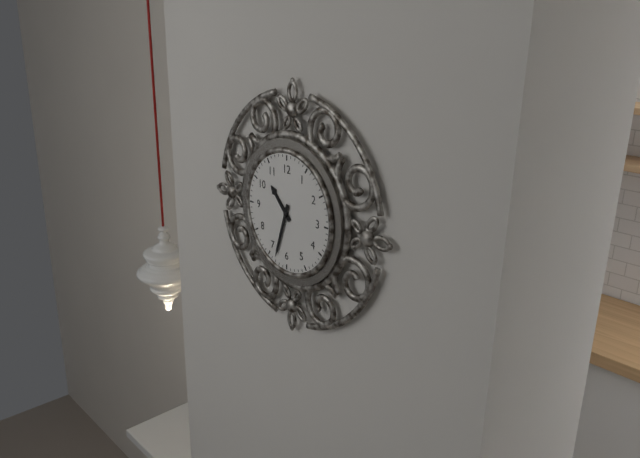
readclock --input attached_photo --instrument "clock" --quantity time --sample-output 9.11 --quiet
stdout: 10.33
